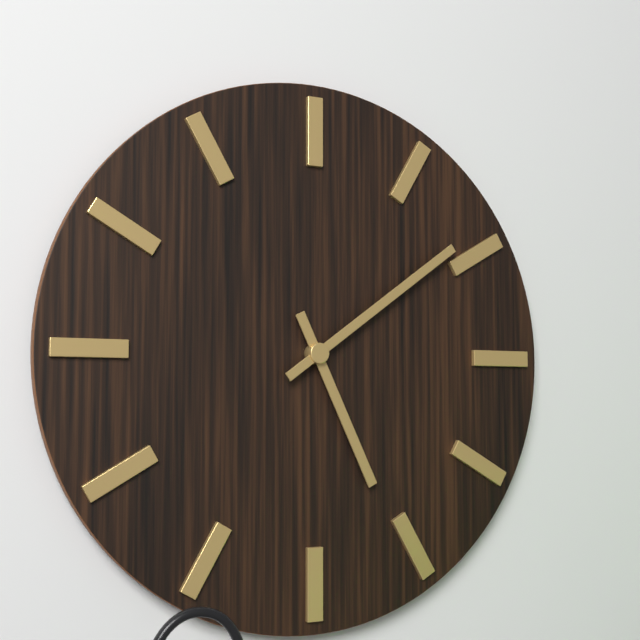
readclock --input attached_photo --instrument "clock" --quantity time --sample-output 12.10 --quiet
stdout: 5.09
